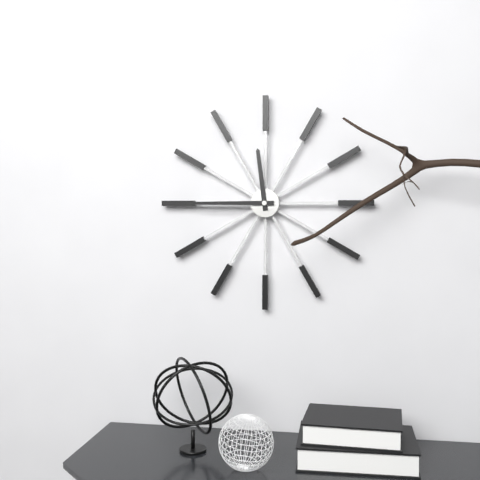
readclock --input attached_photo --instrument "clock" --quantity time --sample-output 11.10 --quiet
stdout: 11.45
